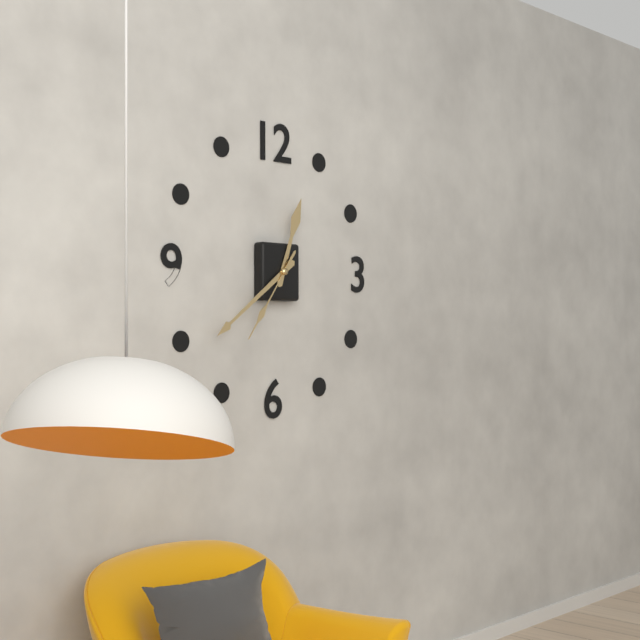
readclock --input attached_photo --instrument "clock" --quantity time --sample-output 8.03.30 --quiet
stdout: 12.39.36
